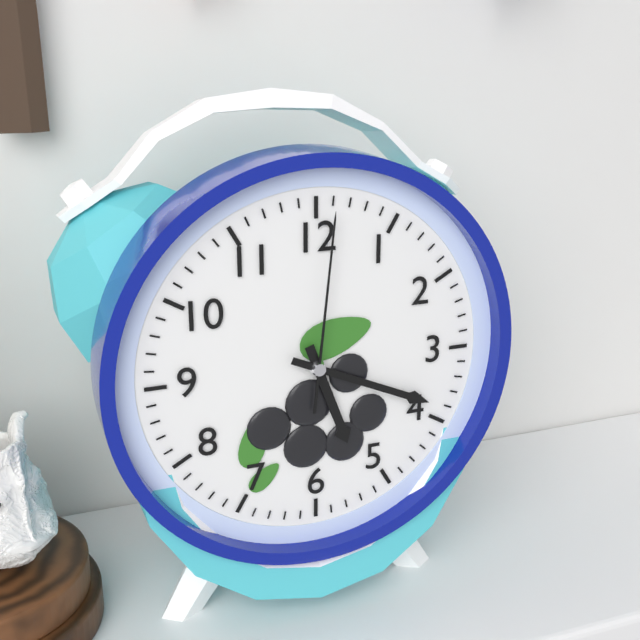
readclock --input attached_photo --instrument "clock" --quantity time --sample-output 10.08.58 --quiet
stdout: 5.19.01
